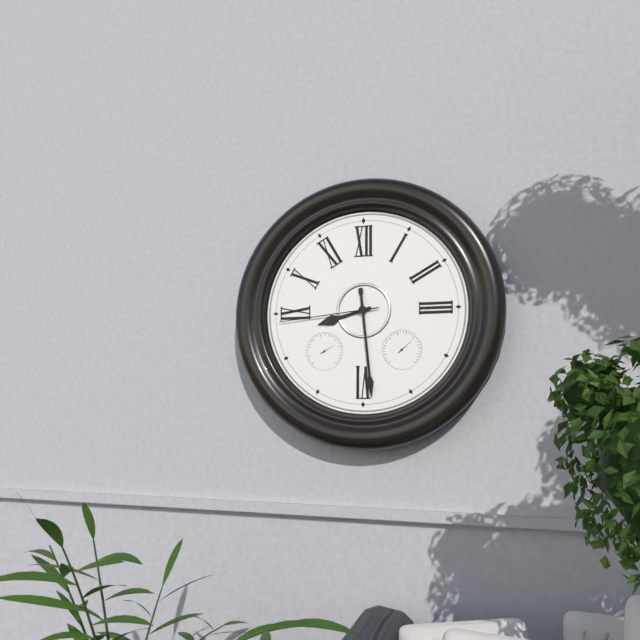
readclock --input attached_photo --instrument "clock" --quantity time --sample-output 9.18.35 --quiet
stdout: 8.29.44
